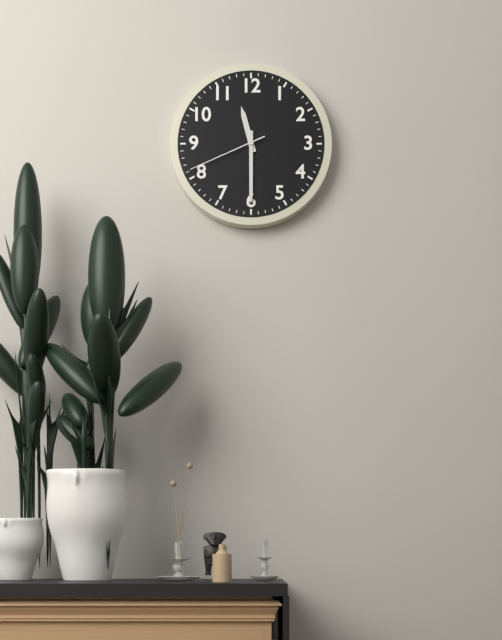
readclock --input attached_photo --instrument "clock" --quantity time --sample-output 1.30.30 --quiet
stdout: 11.30.41
